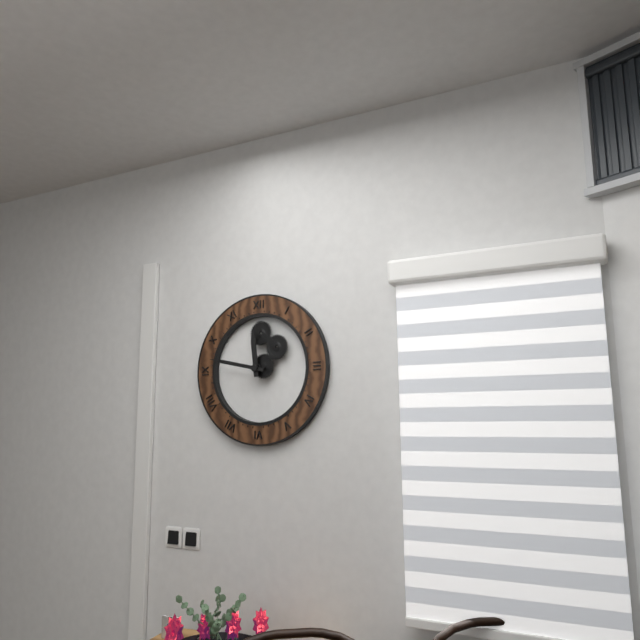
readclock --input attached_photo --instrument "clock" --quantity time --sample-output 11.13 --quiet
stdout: 11.47
